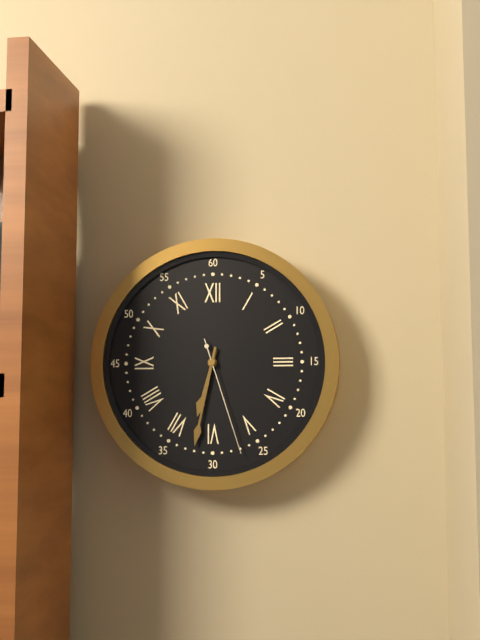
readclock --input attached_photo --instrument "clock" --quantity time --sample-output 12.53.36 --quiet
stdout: 6.32.27
